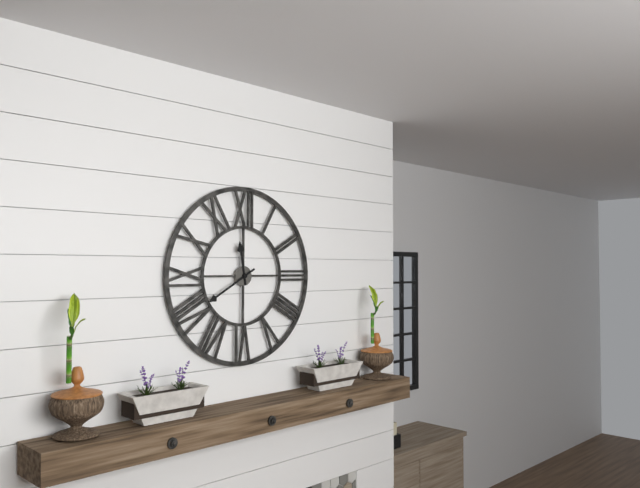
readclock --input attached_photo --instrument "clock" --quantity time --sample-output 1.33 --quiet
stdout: 11.40
